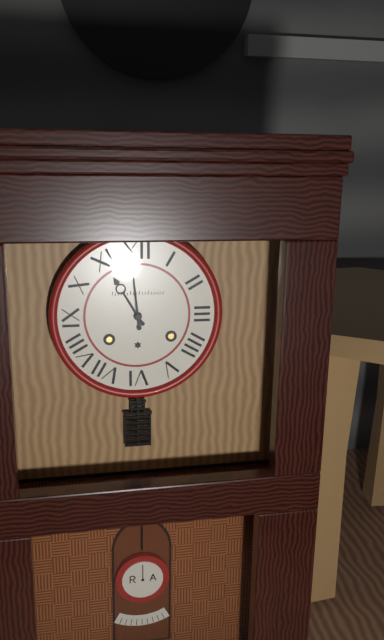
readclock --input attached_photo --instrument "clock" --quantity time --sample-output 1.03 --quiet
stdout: 10.59
